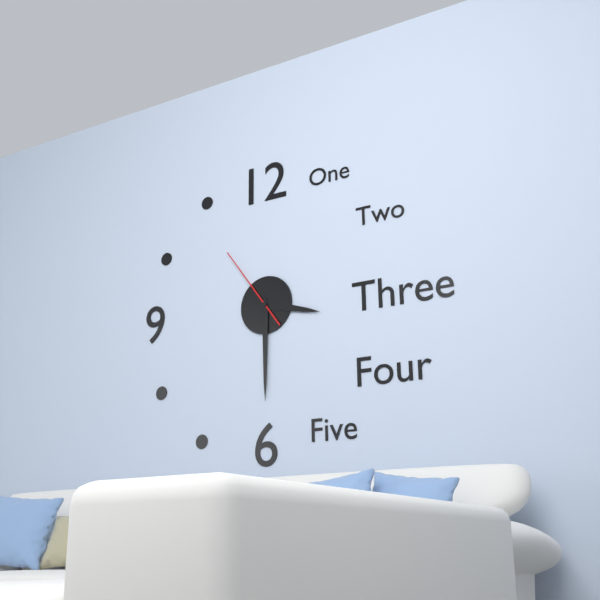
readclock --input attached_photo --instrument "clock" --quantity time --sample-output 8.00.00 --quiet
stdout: 3.30.54
